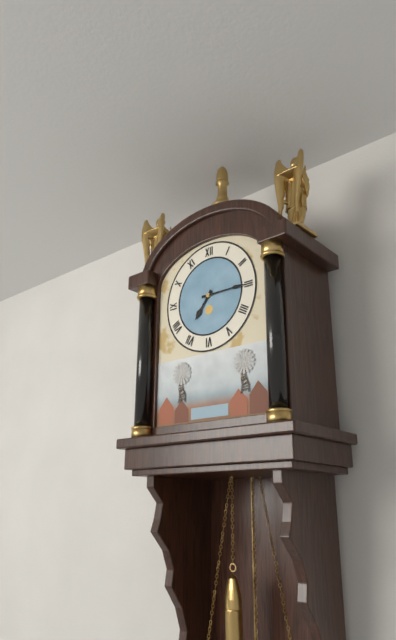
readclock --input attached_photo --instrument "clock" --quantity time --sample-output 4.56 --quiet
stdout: 7.15
